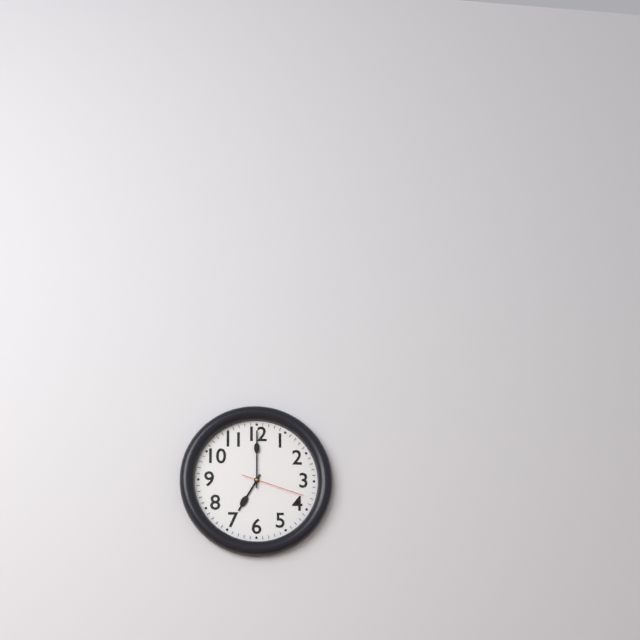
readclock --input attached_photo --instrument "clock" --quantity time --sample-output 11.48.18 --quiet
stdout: 7.00.18
